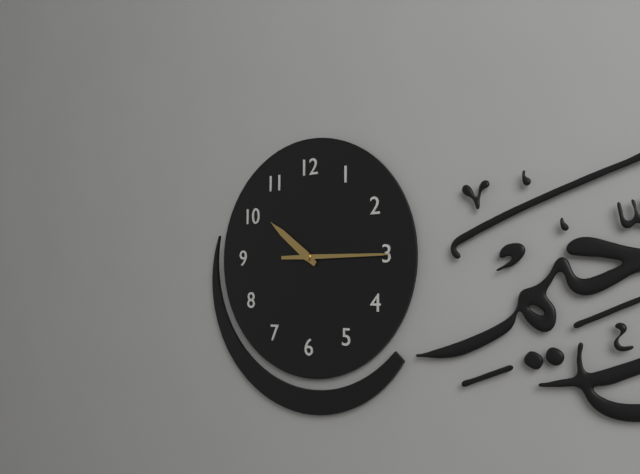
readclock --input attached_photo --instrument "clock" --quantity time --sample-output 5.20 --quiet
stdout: 10.15
